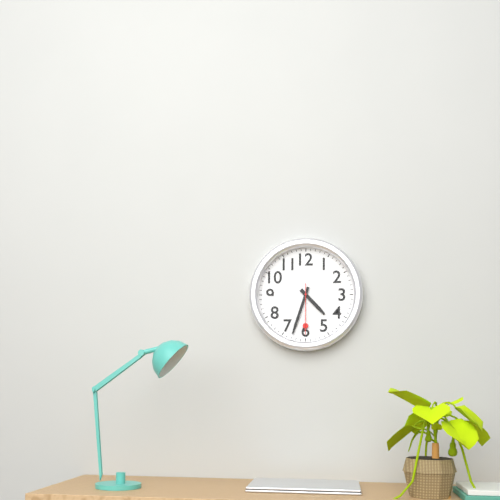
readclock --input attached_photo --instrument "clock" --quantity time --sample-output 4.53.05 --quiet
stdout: 4.33.30
